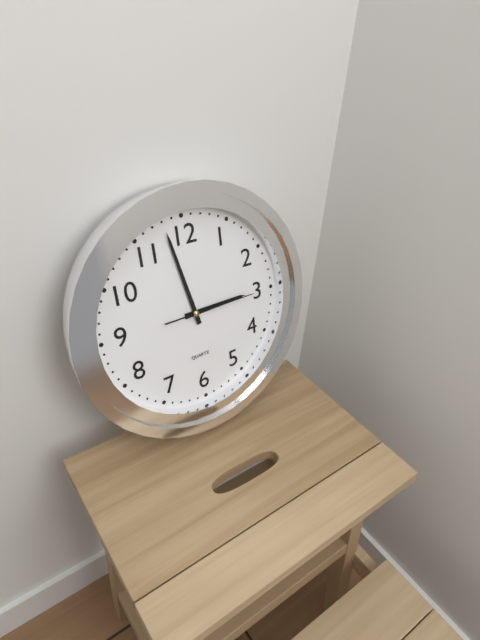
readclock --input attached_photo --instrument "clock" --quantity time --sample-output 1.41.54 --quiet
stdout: 2.58.15
